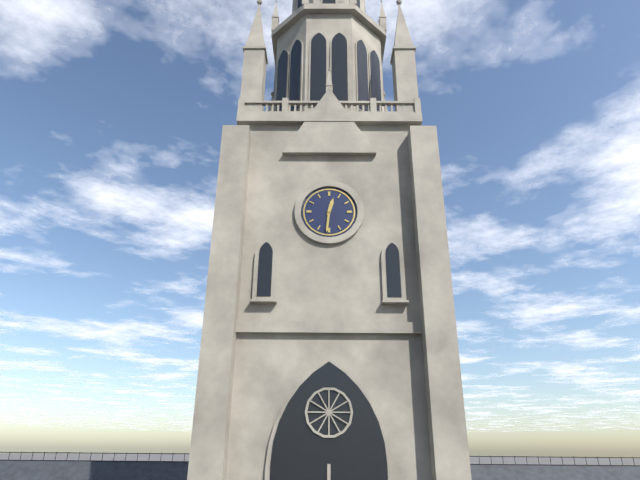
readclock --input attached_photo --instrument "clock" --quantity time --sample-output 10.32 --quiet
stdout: 12.31
